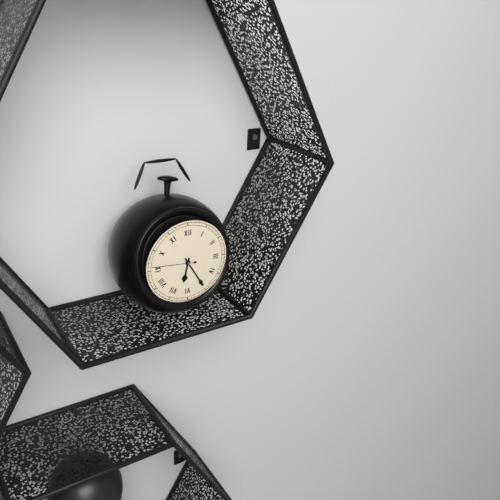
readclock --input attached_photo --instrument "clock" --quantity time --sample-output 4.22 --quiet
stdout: 6.25
